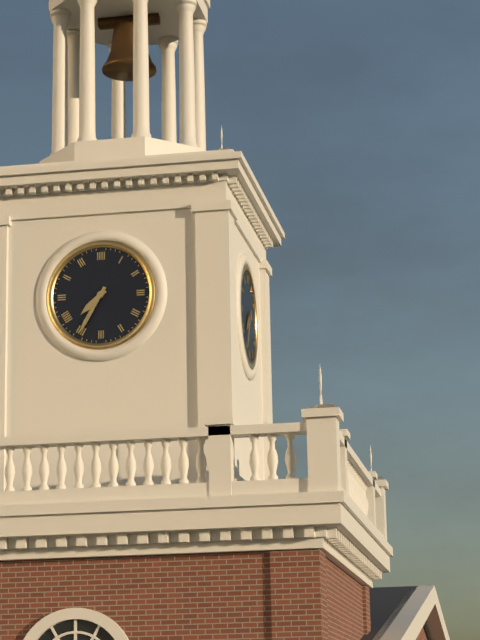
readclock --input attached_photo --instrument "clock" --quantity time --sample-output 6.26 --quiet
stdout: 7.35
